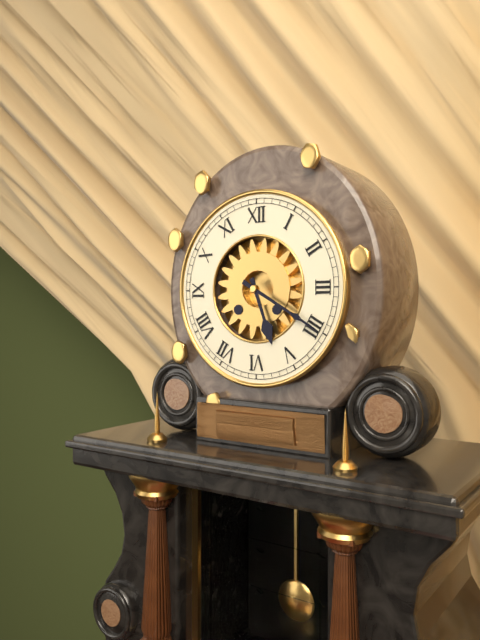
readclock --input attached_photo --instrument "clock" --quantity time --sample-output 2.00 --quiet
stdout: 5.20
